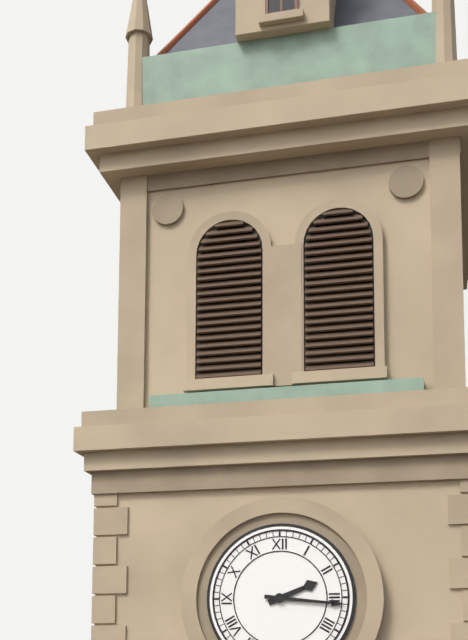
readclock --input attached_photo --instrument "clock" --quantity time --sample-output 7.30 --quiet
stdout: 2.16
